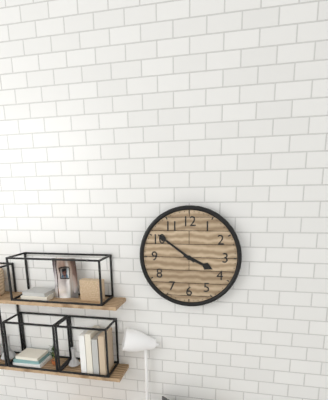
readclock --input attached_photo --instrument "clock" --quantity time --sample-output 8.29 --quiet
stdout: 3.51
